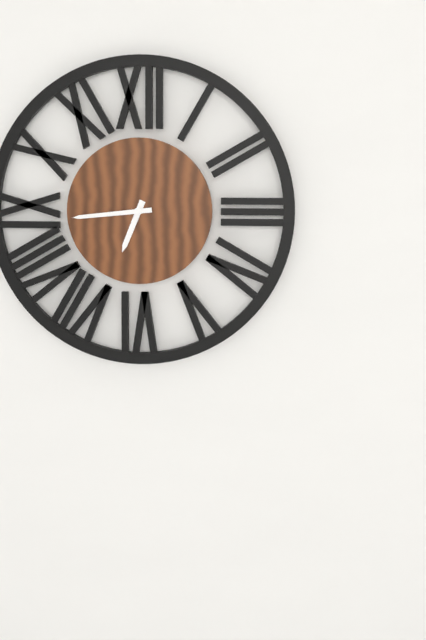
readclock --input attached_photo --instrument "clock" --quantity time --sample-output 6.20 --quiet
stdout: 6.44
